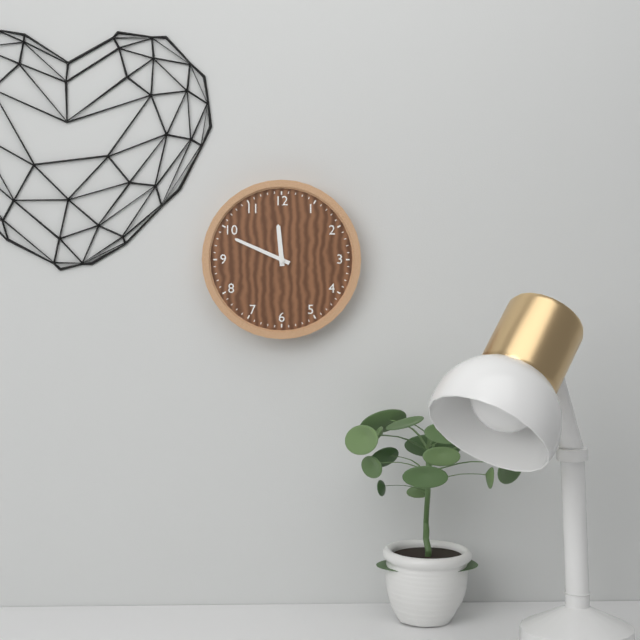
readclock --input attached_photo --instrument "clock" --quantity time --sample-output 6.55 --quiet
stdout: 11.49
